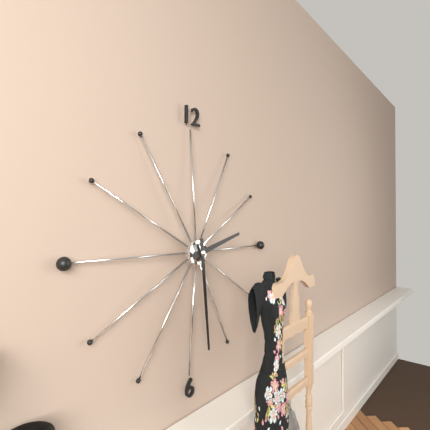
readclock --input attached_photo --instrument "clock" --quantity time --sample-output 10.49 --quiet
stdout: 2.29
